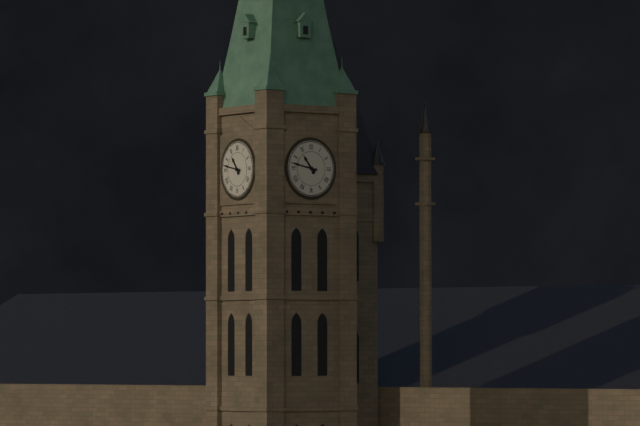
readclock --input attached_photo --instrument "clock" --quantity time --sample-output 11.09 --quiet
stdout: 10.47
